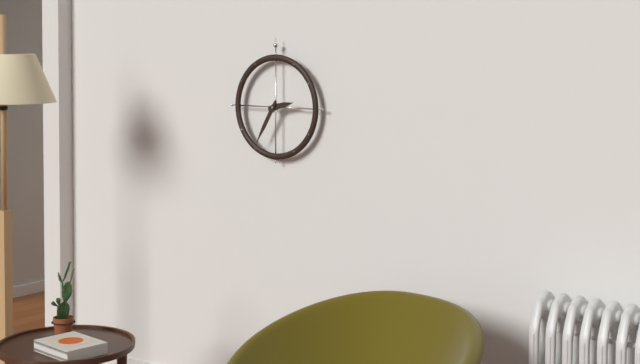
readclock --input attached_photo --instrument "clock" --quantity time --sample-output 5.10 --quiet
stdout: 2.35
